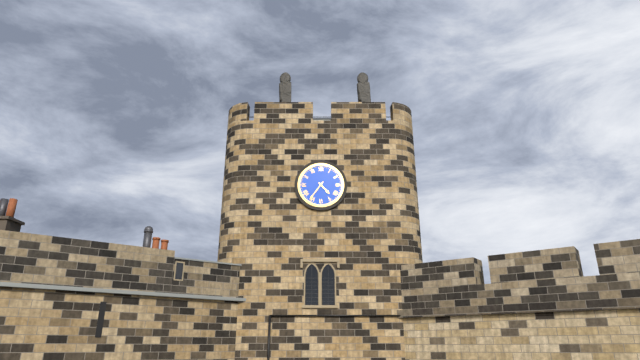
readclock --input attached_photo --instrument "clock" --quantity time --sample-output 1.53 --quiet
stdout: 4.36
